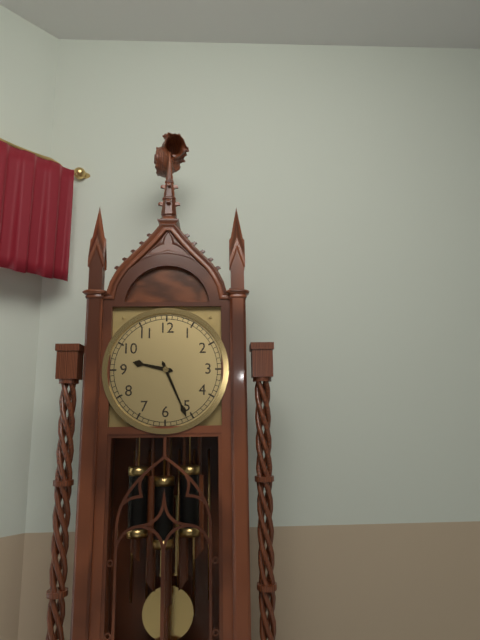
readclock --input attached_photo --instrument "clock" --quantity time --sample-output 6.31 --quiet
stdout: 9.26
